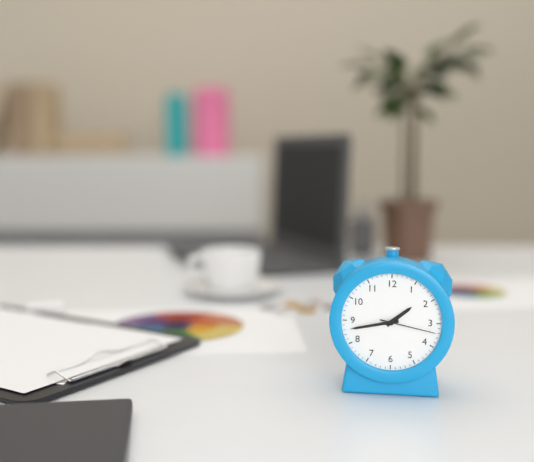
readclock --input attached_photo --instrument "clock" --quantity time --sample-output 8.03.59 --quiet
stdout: 1.43.17
